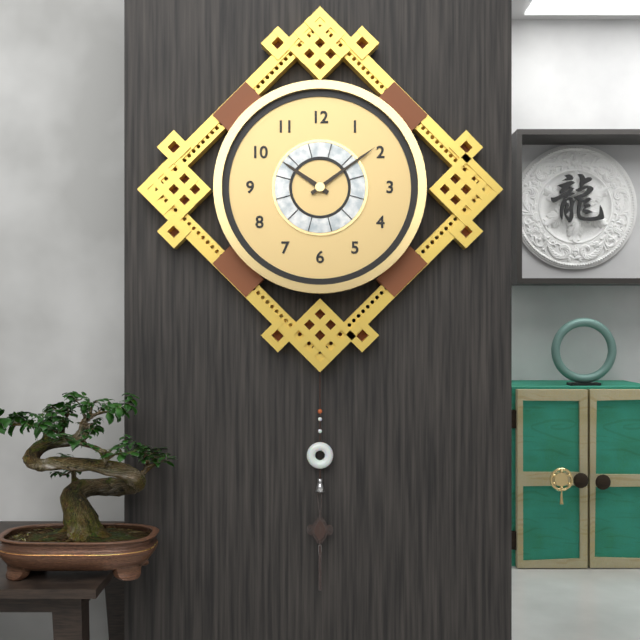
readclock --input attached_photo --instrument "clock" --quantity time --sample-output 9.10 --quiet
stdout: 10.09
